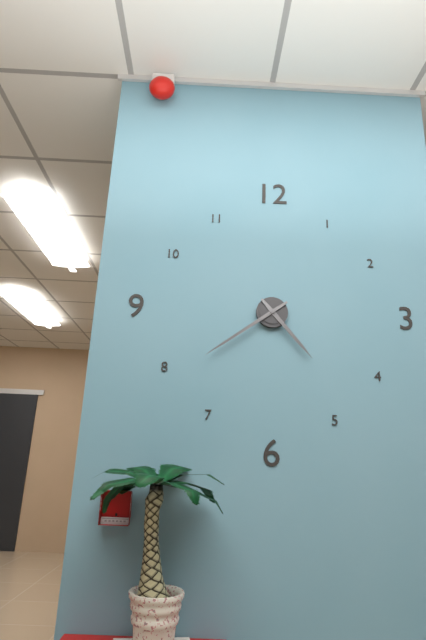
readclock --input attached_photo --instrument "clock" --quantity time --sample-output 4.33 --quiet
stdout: 4.39
